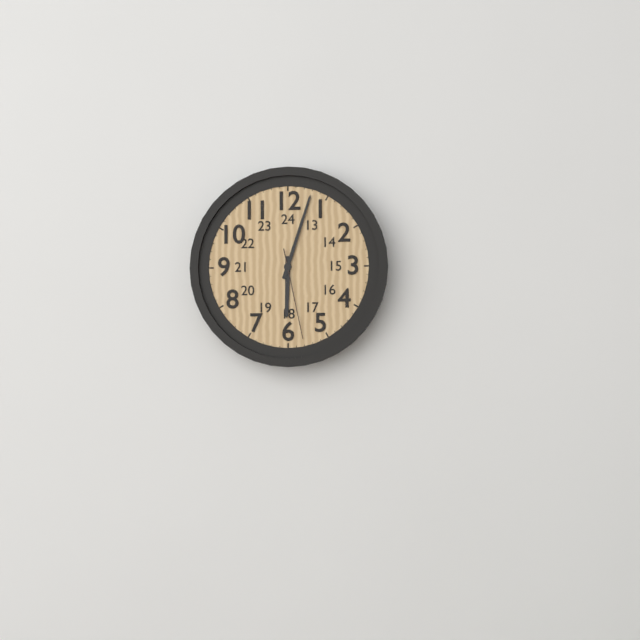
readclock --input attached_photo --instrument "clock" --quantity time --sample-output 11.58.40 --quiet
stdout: 6.03.28
